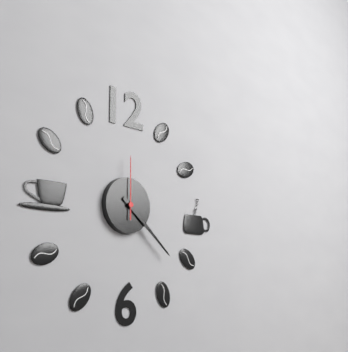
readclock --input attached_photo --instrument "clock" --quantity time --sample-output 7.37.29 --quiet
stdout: 4.22.00
